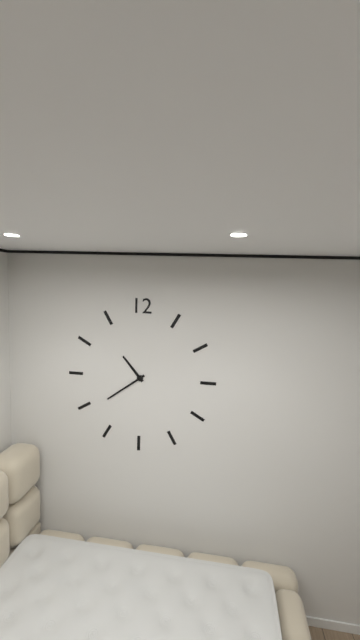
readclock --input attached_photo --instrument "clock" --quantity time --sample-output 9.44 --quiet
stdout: 10.39
